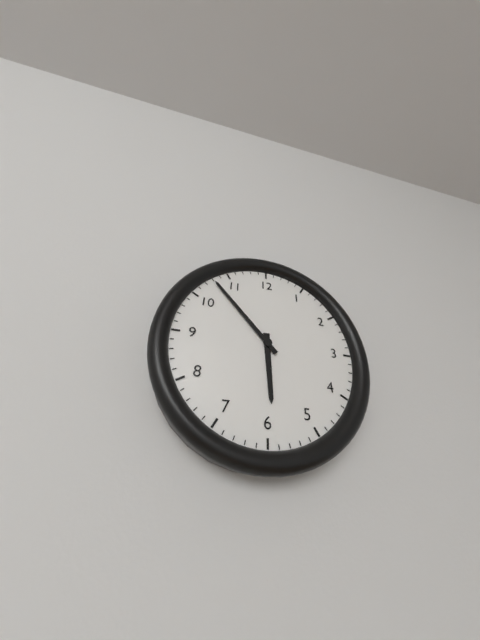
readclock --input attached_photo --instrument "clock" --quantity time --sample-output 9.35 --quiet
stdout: 5.53
